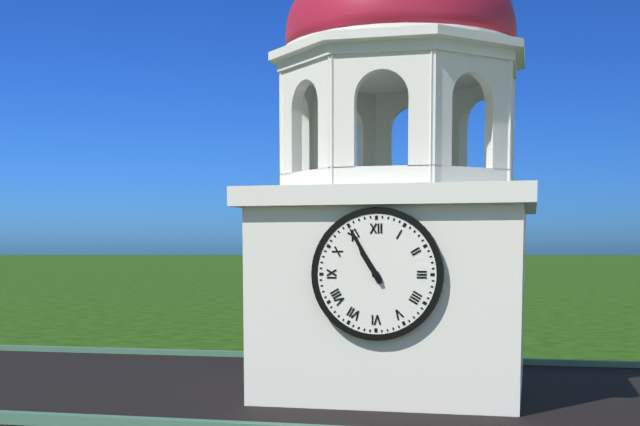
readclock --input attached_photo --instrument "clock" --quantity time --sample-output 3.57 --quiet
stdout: 10.55
